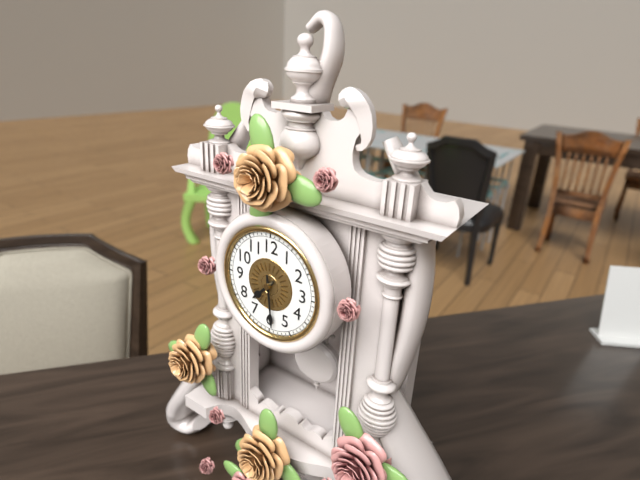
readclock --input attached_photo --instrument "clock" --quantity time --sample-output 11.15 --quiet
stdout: 7.29
